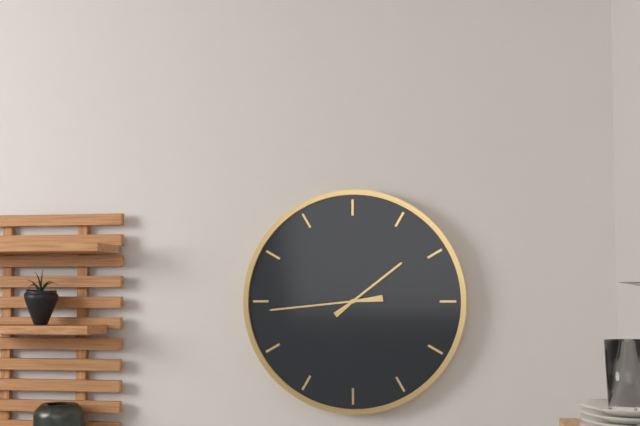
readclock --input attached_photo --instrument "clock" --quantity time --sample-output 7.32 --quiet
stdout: 1.44
